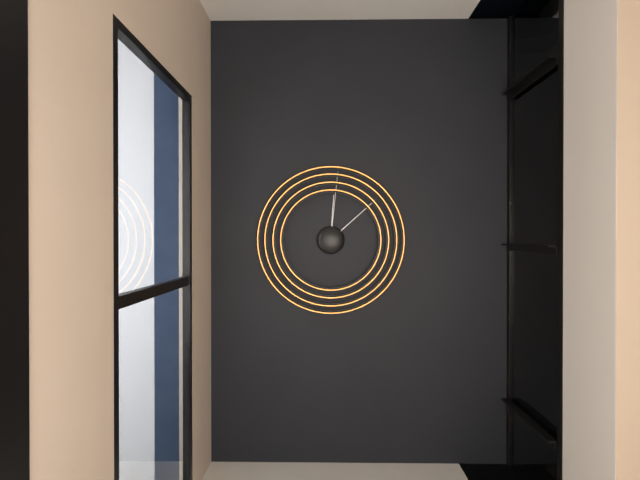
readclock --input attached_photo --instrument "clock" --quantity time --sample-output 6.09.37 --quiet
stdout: 12.08.01
